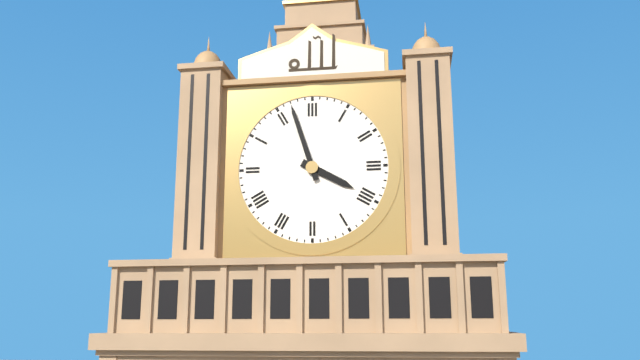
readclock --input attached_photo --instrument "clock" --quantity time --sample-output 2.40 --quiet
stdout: 3.57
